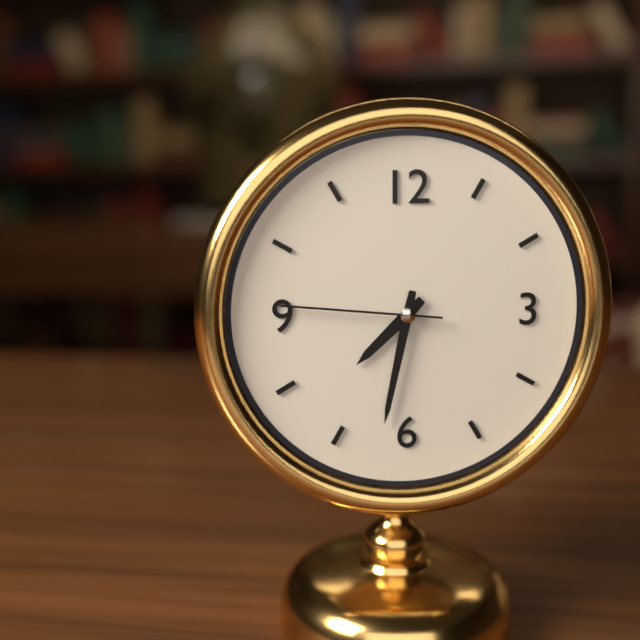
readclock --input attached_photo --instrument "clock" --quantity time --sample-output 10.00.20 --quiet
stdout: 7.32.46
